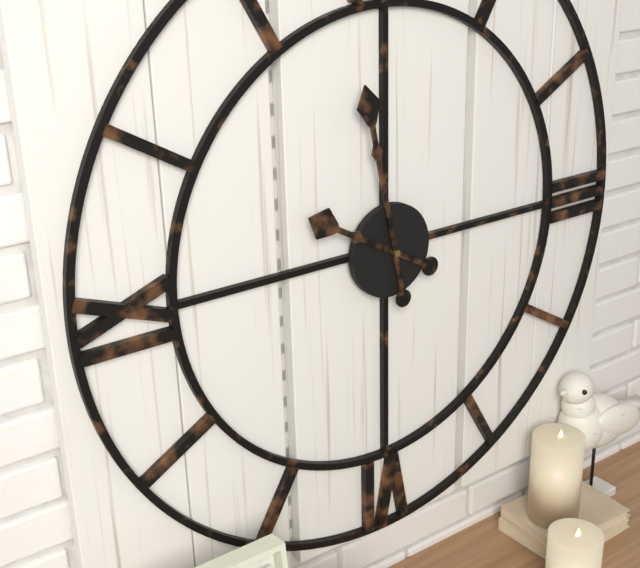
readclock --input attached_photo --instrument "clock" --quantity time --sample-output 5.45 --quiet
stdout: 9.58
